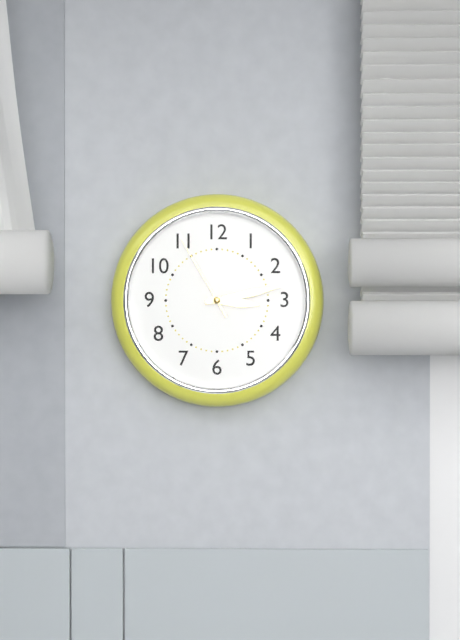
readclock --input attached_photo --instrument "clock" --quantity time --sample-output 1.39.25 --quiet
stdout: 3.13.55
